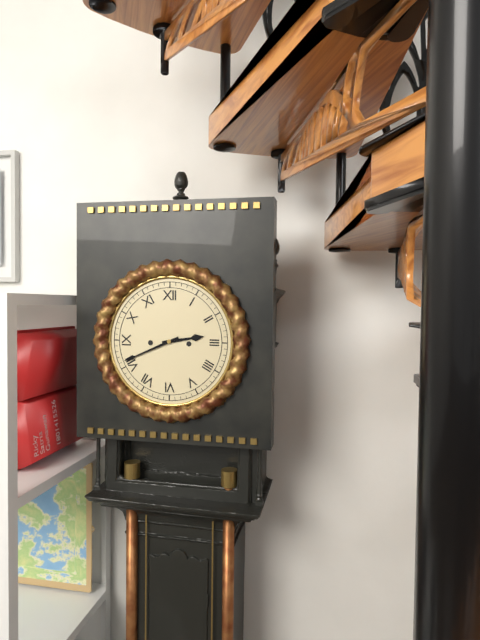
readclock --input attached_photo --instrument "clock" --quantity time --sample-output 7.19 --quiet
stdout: 2.41
